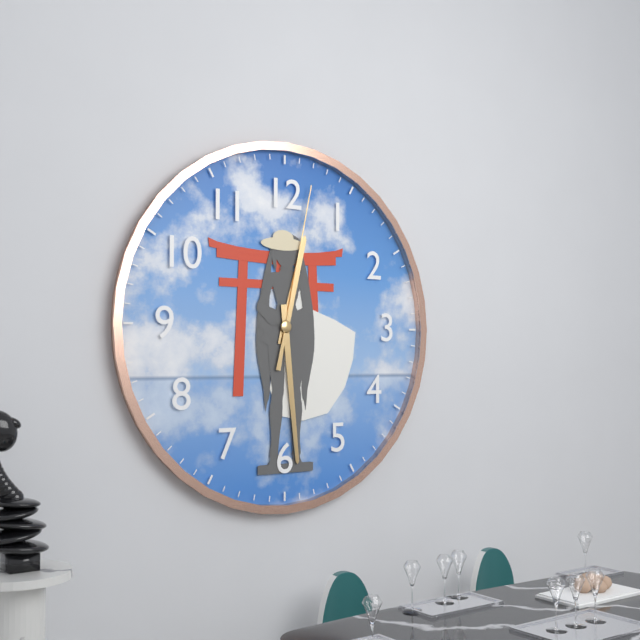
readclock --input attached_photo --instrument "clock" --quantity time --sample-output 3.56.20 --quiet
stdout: 12.29.02
